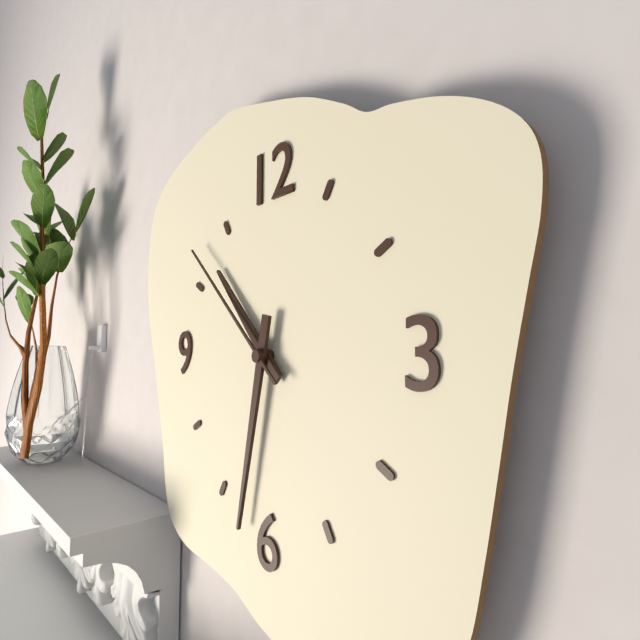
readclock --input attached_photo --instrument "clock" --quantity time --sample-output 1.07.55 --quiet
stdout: 10.32.52
